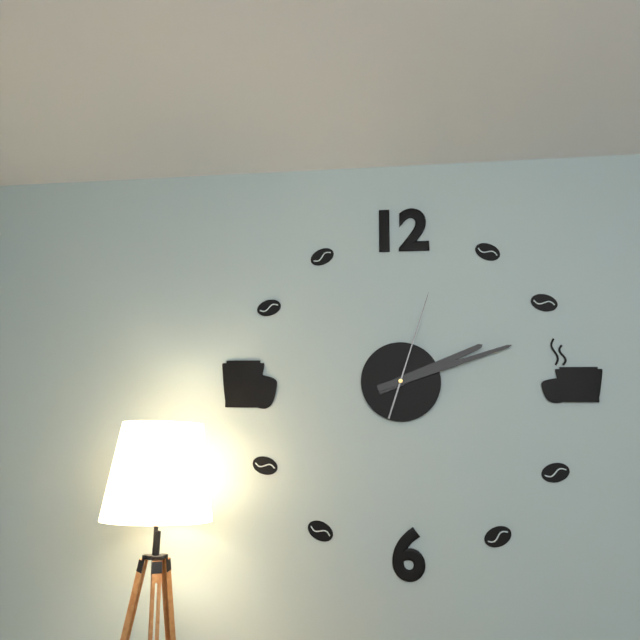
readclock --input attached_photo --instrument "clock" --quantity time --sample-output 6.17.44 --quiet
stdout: 2.12.03
